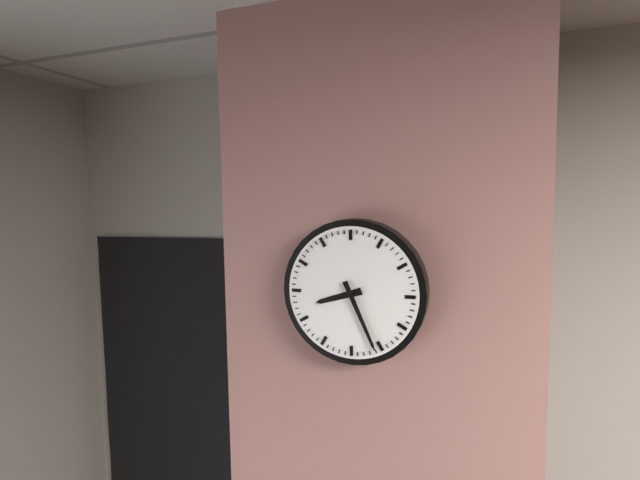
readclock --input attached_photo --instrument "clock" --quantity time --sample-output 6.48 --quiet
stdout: 8.26
